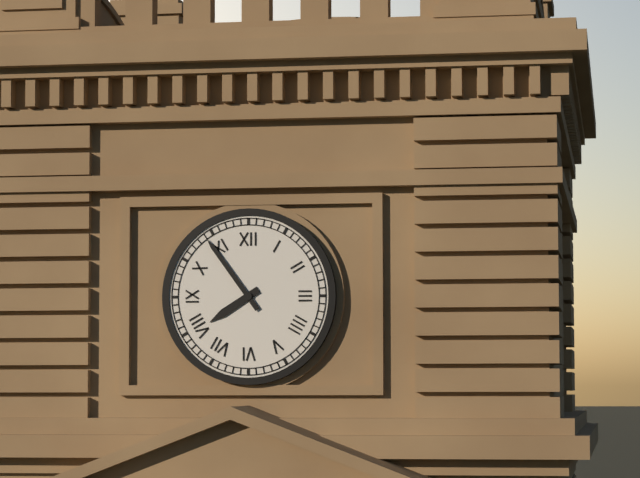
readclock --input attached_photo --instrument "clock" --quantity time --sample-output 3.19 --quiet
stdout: 7.54
